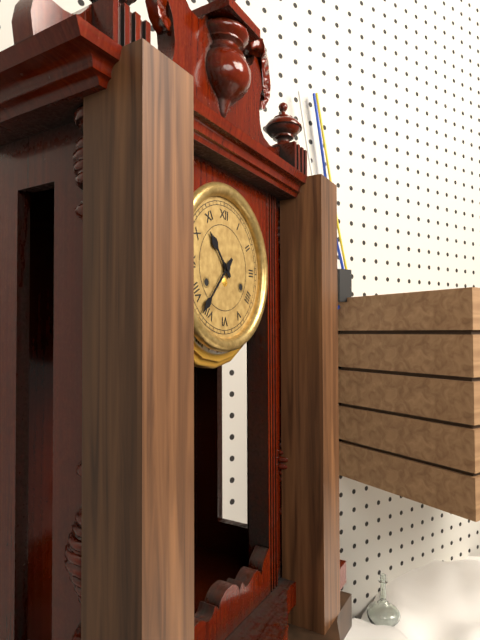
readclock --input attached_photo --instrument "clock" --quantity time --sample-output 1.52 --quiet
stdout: 10.37
